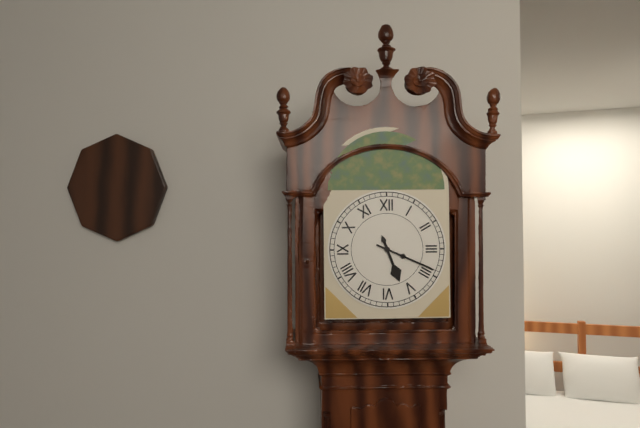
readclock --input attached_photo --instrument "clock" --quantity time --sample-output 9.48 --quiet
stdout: 5.19
